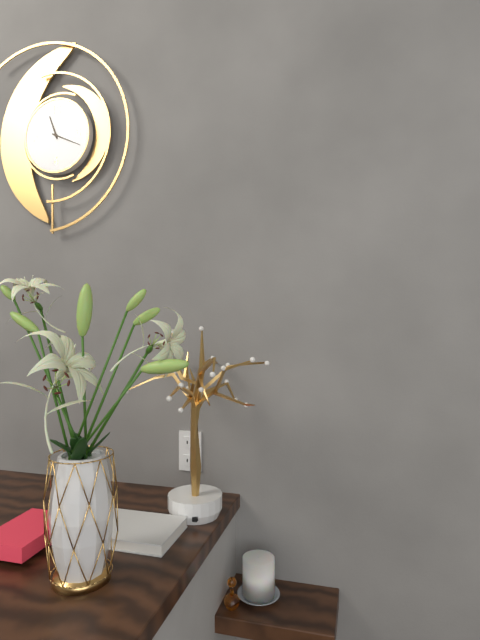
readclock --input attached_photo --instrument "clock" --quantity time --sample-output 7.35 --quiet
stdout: 11.19
